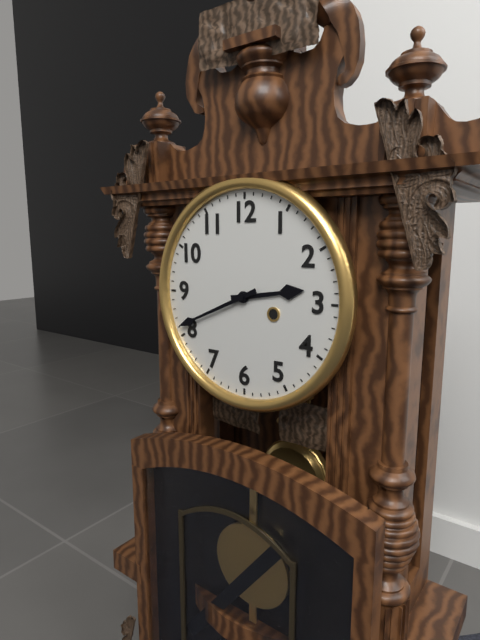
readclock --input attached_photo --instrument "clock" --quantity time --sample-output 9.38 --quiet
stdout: 2.41
